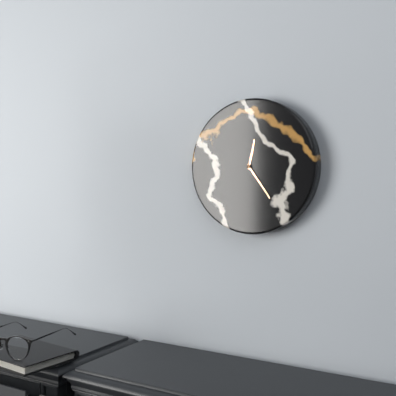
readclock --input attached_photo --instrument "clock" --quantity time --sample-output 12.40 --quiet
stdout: 12.24
